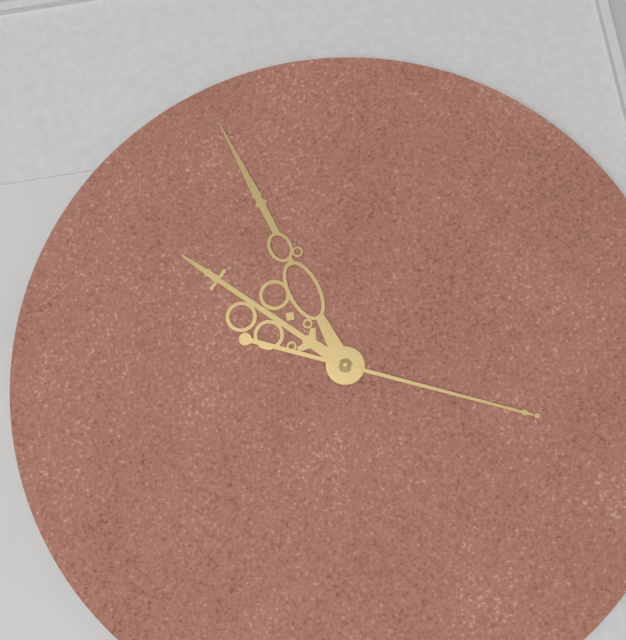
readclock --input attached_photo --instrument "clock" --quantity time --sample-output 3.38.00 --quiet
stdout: 4.27.49
